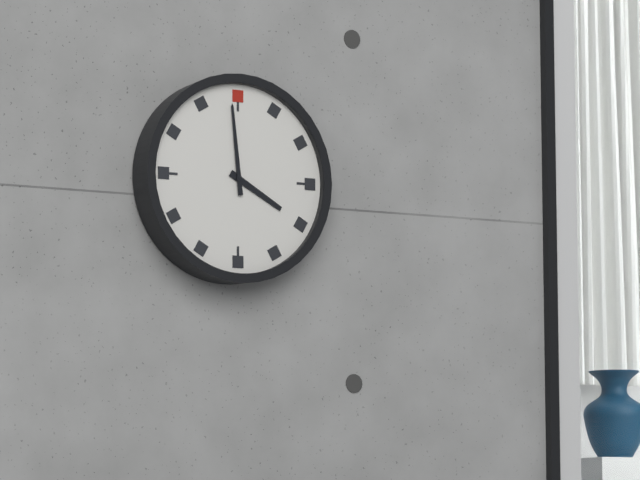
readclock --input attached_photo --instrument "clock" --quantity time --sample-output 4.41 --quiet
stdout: 3.59
